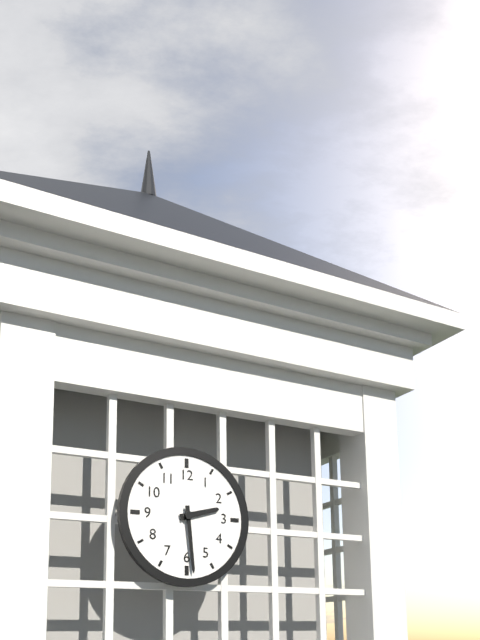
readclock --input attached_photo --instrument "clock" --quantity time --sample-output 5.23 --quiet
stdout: 2.29
